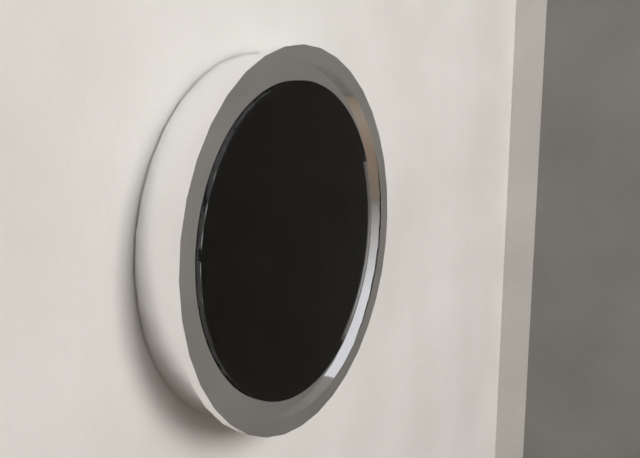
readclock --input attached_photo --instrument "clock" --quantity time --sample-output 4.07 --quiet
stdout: 4.10
